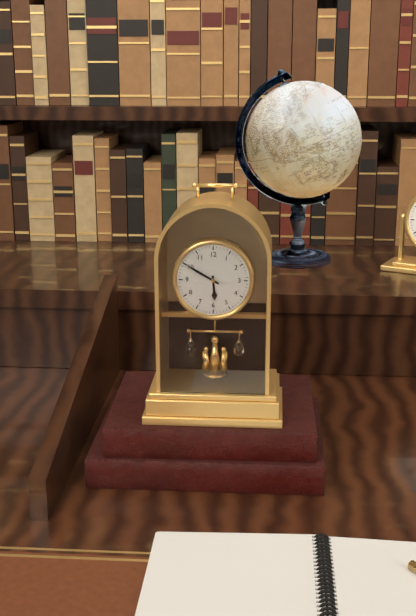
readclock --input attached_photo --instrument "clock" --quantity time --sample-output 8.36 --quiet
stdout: 5.50
